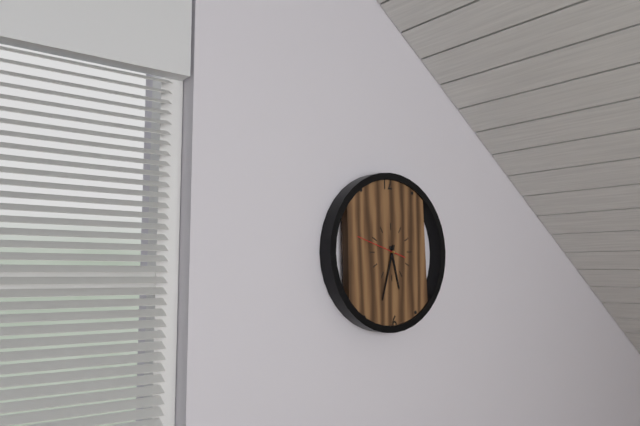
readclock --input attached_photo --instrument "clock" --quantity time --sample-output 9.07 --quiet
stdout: 5.33
